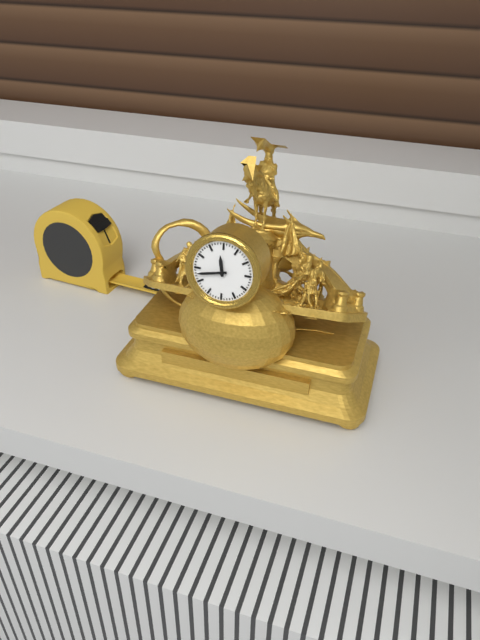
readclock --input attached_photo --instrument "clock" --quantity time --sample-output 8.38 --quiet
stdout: 11.43
